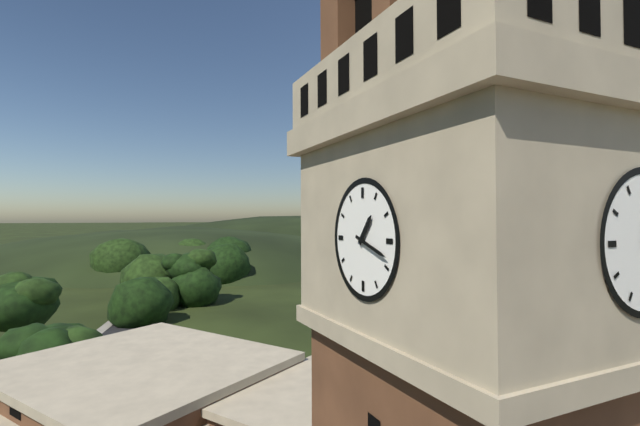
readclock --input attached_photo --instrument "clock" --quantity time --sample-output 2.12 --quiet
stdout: 1.18
